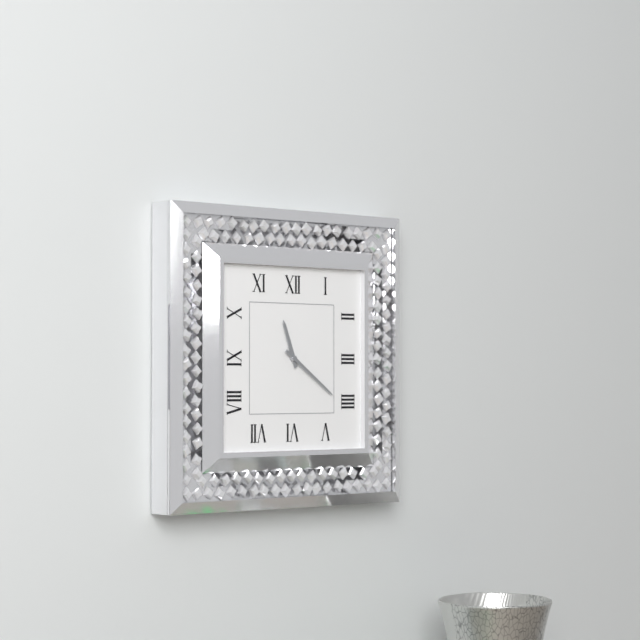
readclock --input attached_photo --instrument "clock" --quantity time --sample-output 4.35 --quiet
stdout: 11.21
